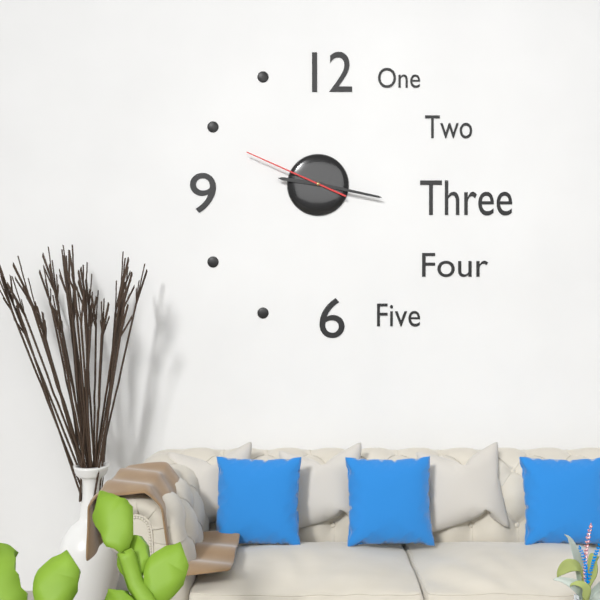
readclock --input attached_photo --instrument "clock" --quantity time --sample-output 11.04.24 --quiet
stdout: 9.17.49
